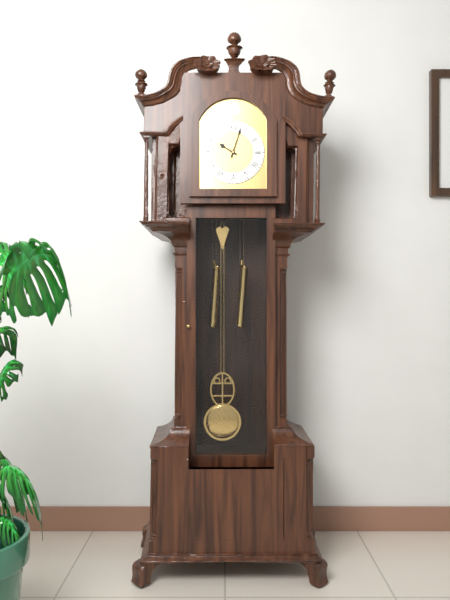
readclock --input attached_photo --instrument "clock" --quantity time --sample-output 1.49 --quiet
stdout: 10.03
